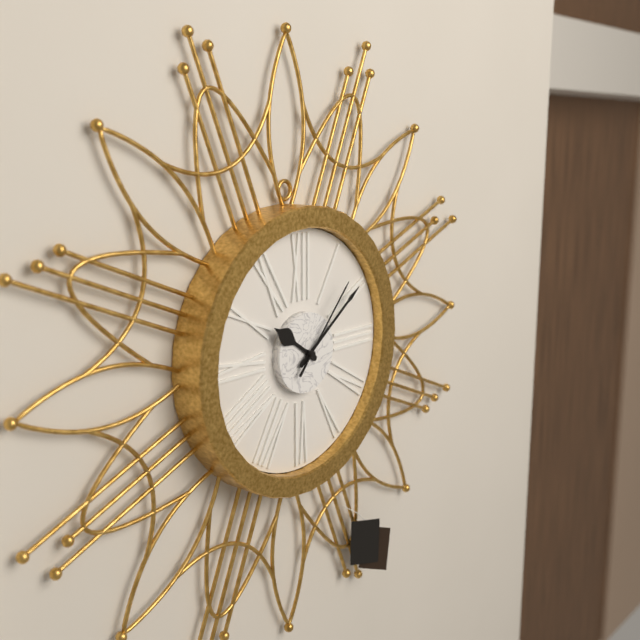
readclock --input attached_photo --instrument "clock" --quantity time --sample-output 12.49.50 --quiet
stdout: 10.09.07
